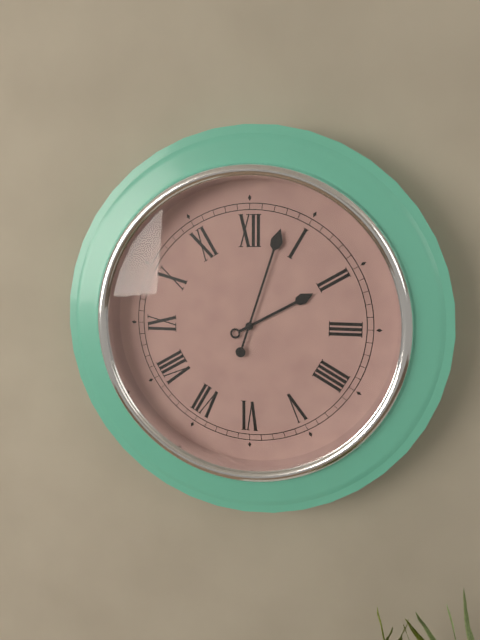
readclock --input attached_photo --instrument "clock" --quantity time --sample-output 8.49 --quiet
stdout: 2.03
